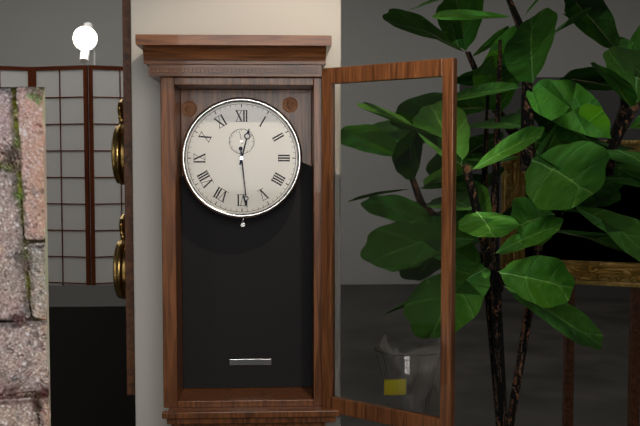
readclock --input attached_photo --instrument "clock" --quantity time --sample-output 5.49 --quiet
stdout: 12.29
